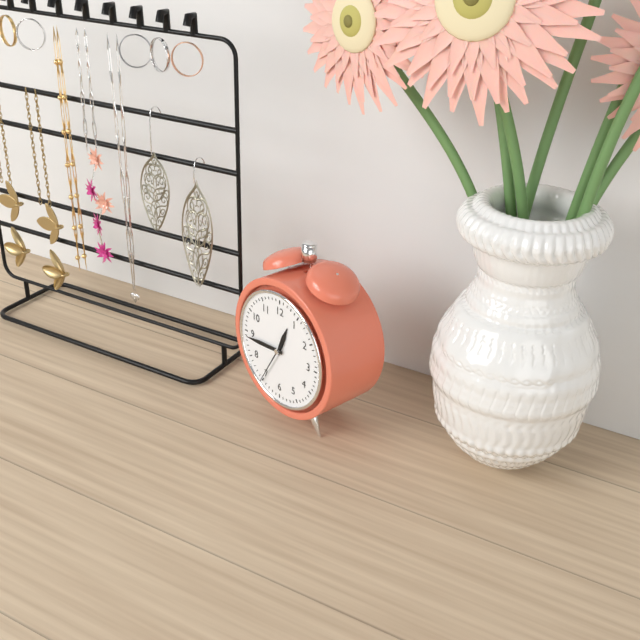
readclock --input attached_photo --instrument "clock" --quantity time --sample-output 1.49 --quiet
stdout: 12.44
